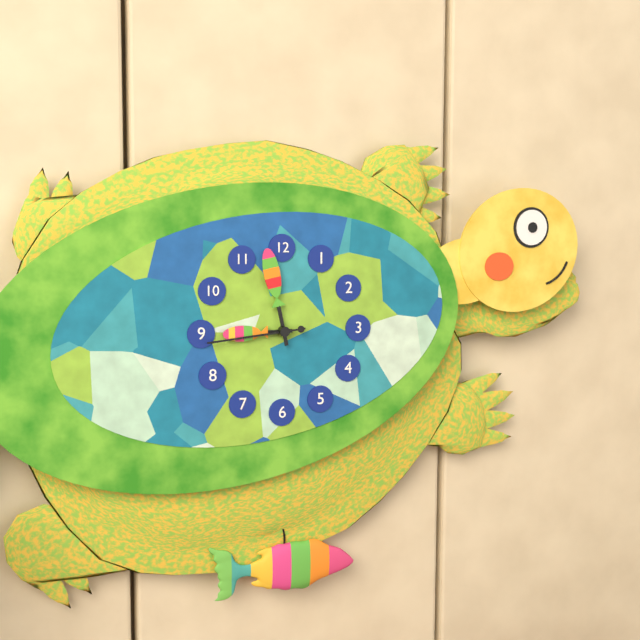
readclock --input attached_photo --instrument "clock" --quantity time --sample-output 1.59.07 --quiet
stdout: 8.58.44
